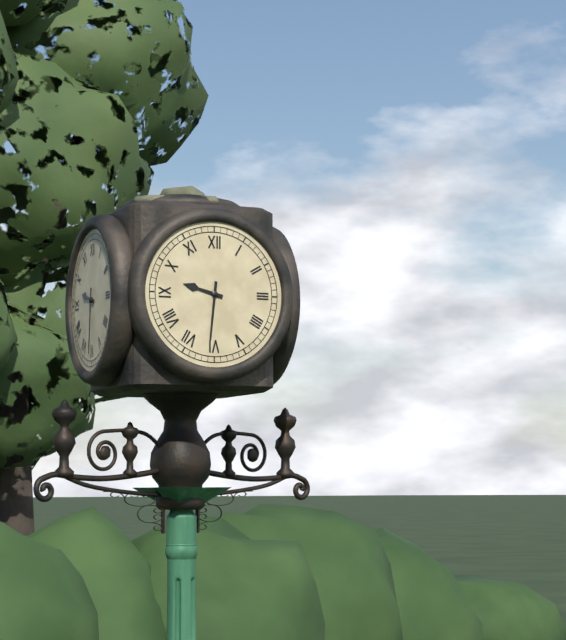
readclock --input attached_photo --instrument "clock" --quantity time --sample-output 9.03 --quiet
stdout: 9.31
